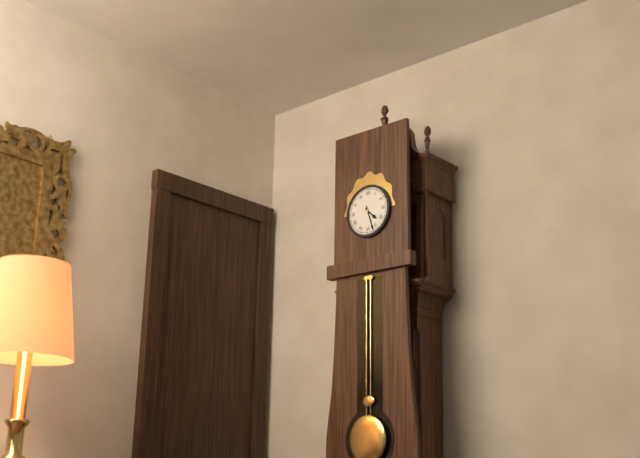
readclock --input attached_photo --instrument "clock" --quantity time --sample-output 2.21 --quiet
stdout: 4.27
